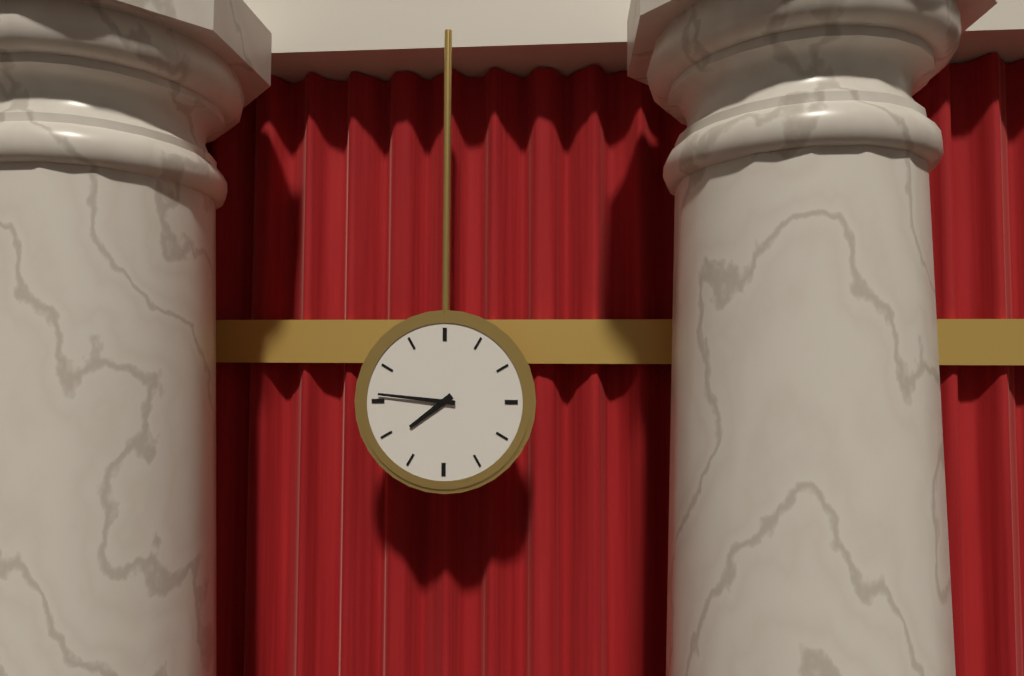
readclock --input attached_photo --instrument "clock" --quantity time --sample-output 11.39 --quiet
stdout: 7.46
